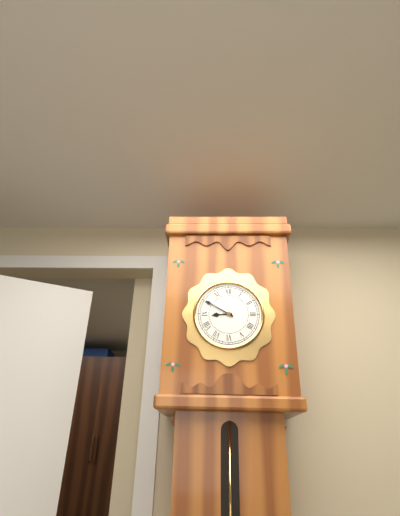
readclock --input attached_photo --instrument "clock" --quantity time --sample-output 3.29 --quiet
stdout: 8.50
